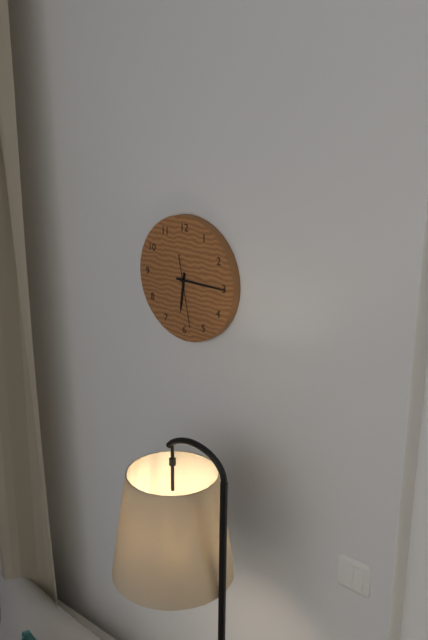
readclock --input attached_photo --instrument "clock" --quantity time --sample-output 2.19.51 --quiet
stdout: 6.15.28
